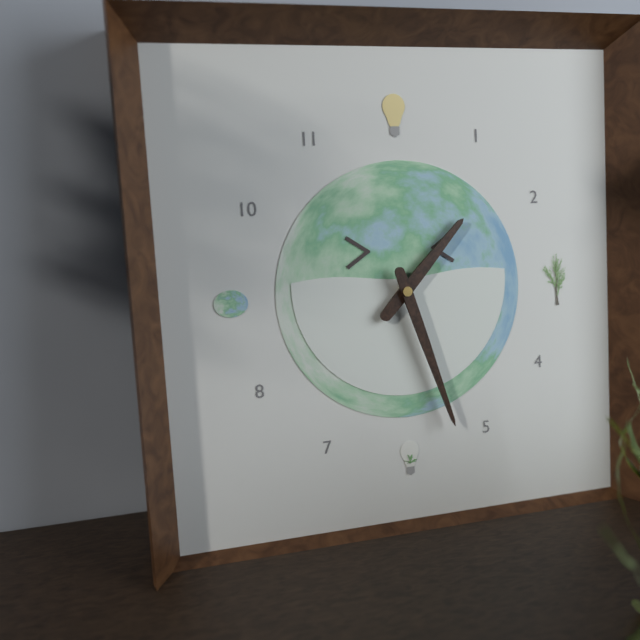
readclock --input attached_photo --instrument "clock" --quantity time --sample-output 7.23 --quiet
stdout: 1.27
